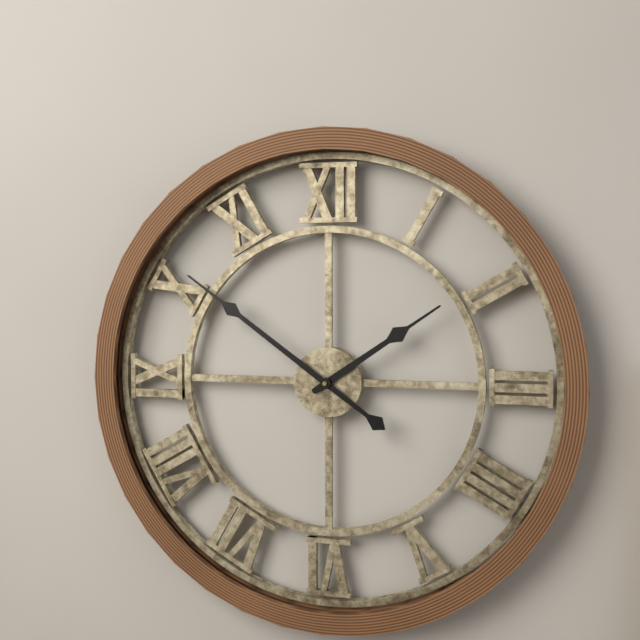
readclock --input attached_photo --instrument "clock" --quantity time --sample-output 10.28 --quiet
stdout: 1.51
